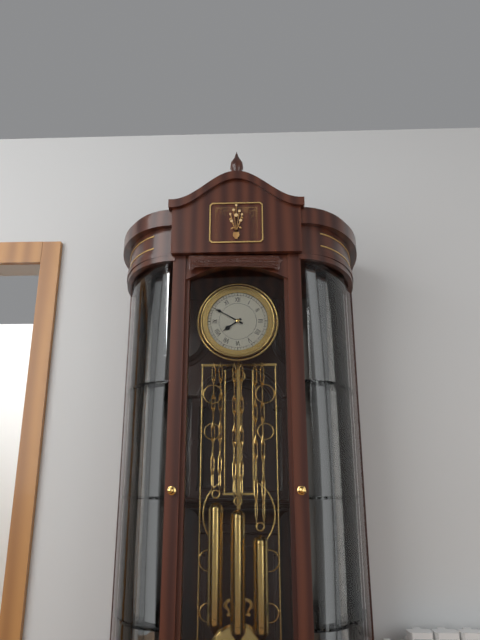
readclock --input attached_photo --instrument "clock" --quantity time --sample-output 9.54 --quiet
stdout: 7.50
